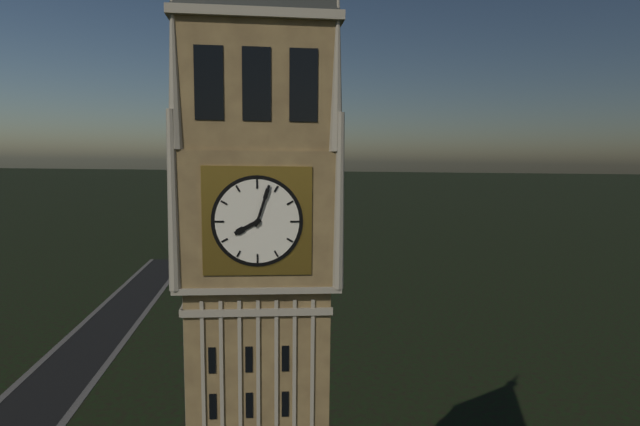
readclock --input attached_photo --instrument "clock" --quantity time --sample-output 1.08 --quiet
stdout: 8.03
